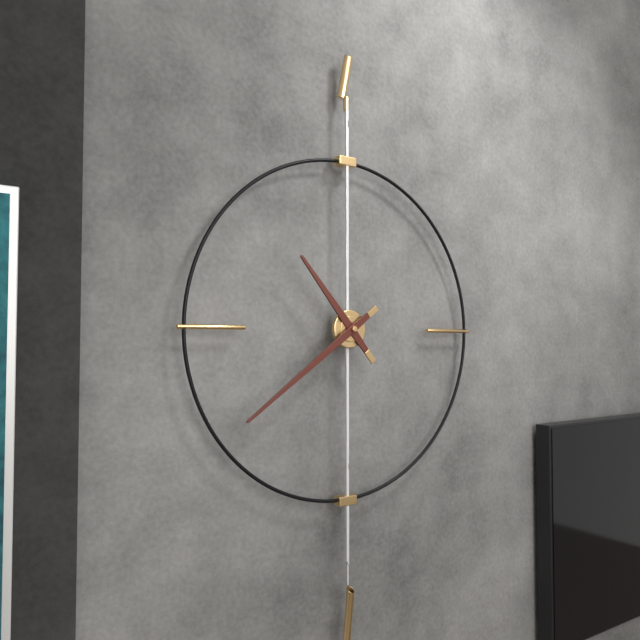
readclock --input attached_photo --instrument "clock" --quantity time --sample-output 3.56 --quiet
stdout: 10.39
